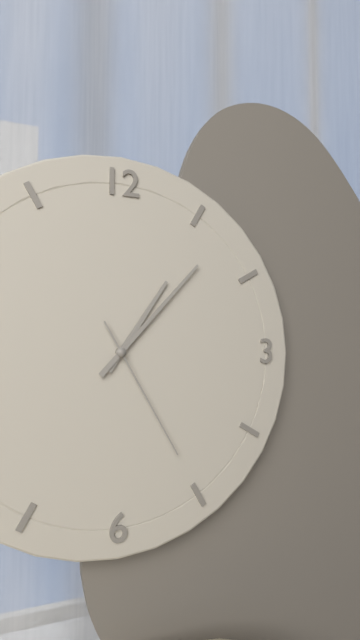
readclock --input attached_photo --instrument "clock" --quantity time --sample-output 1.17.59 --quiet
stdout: 1.07.25
